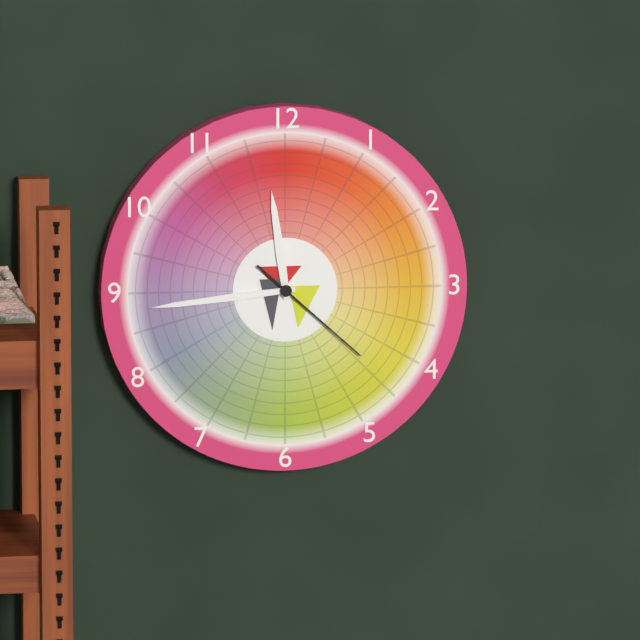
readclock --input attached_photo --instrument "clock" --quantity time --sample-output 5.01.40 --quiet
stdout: 11.44.22
